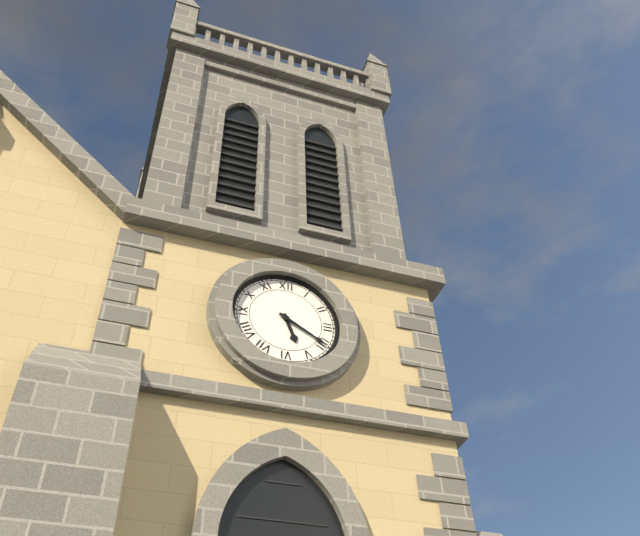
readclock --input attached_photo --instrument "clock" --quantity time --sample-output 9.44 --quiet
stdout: 5.20
